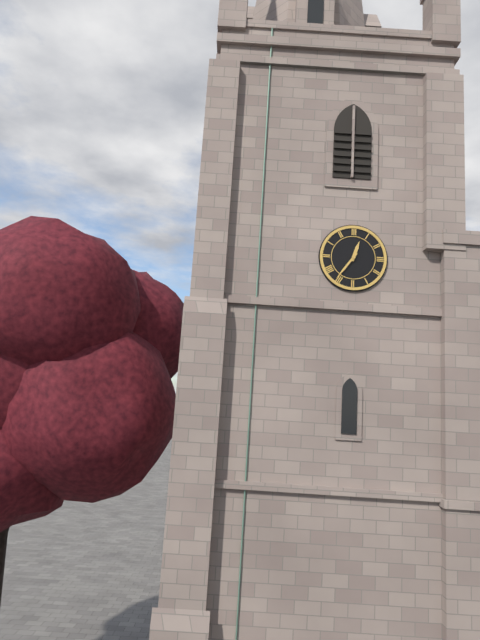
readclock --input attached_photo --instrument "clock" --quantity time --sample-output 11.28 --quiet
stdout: 12.36
